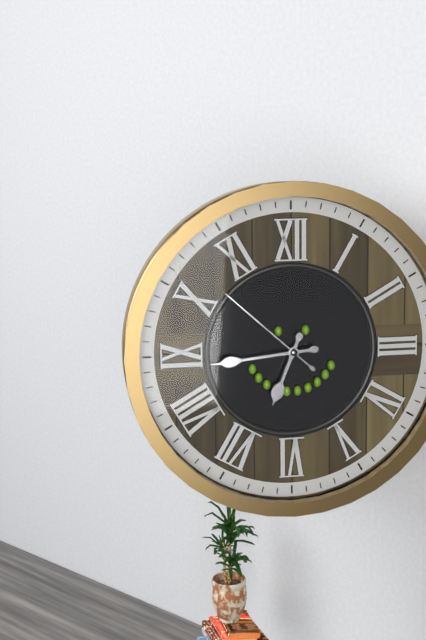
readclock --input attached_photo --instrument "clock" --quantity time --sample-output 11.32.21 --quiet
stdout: 6.44.52
